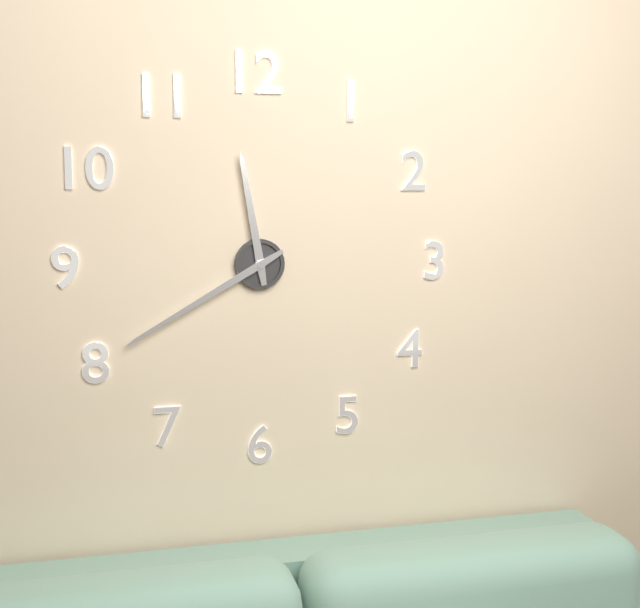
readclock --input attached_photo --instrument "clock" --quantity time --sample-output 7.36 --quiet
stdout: 11.40
